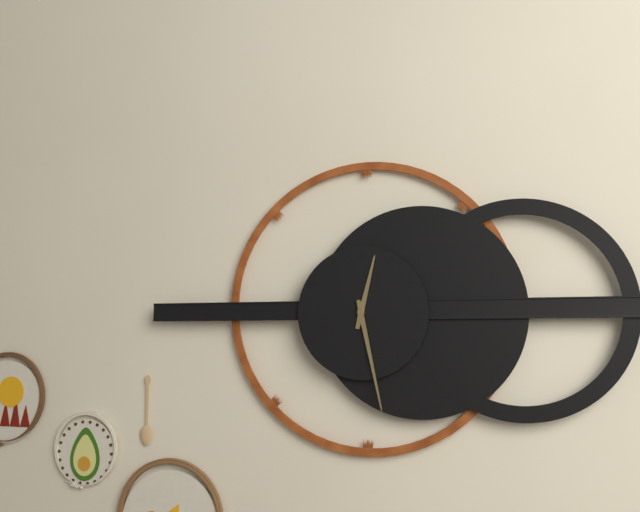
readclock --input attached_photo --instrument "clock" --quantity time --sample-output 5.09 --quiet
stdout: 12.28
